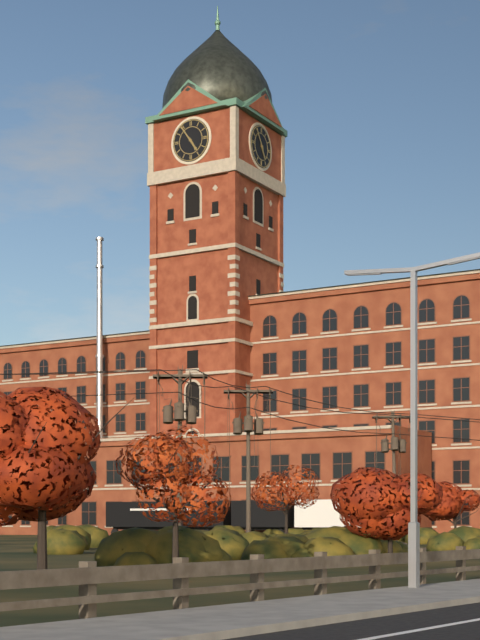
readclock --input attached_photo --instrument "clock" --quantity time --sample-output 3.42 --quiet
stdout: 4.54
